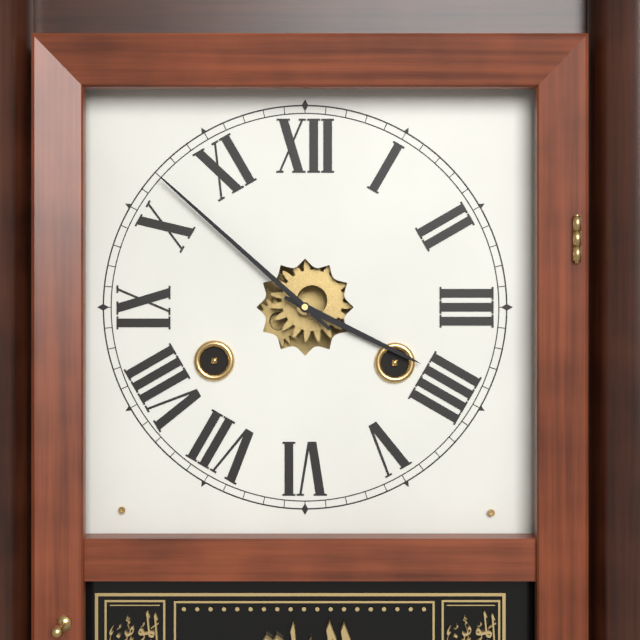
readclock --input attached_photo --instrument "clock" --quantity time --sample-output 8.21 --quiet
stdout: 3.52
